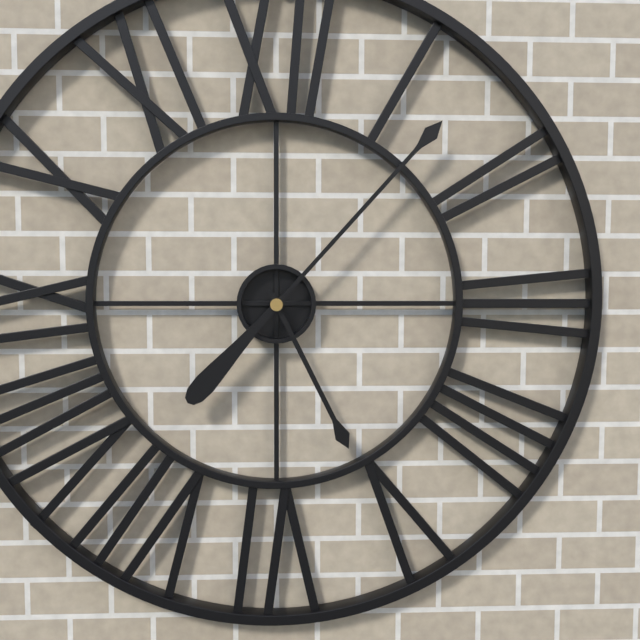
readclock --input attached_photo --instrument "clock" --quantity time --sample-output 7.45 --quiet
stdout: 5.07
